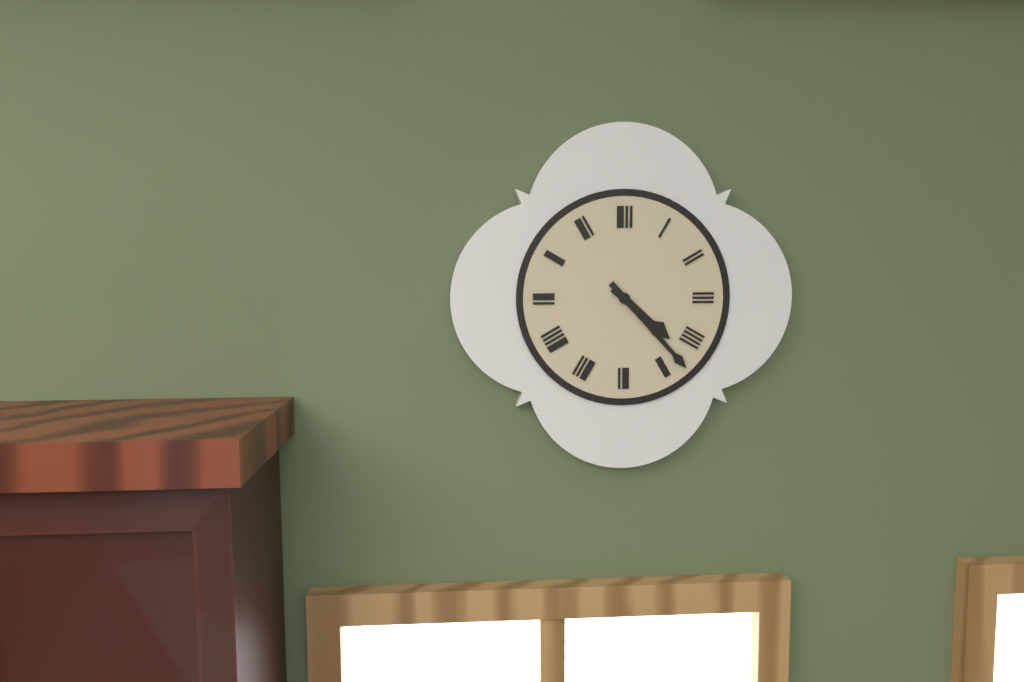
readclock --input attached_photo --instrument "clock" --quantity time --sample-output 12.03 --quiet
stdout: 4.23
